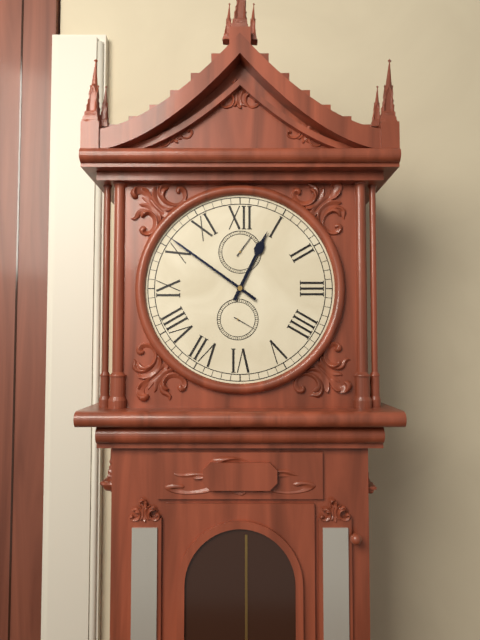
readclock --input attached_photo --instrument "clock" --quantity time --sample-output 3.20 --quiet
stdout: 12.51
